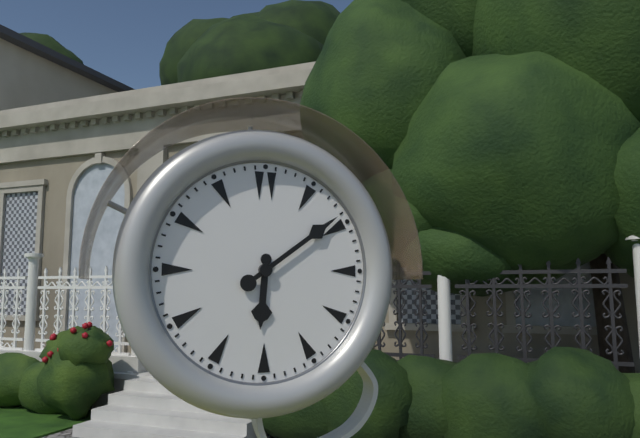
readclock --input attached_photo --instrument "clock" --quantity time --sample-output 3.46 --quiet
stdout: 6.09
